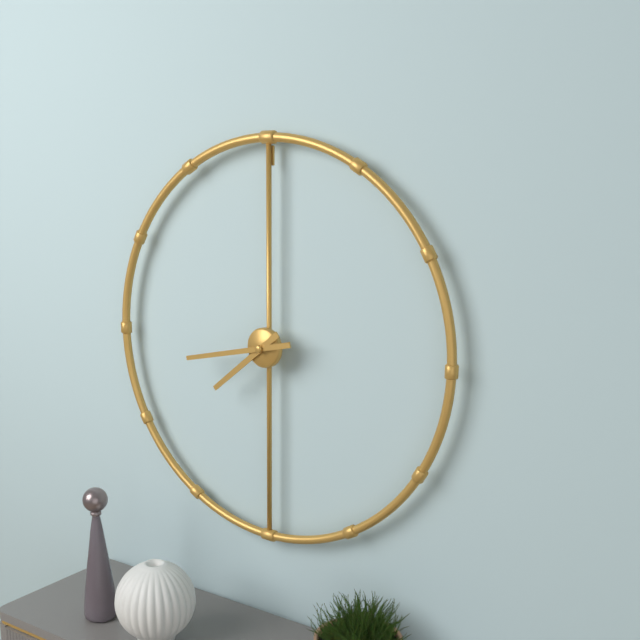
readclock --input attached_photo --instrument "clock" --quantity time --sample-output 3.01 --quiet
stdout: 7.43
